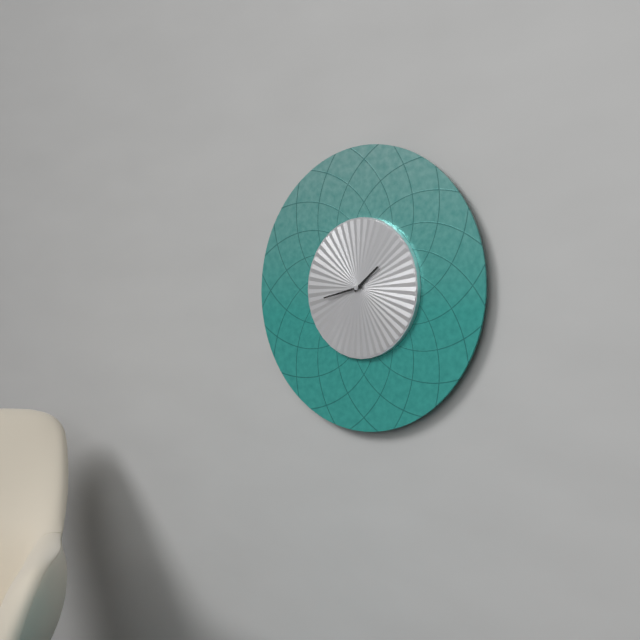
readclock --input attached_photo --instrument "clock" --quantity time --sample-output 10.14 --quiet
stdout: 1.43
